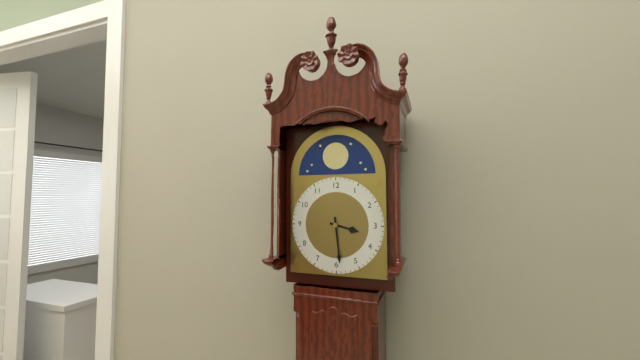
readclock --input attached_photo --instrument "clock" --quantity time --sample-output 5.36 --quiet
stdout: 3.29
